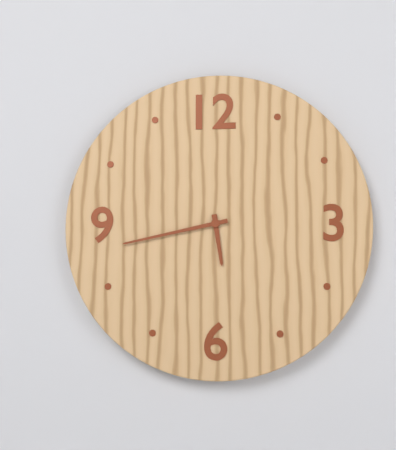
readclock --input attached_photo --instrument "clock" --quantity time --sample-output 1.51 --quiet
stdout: 5.43
